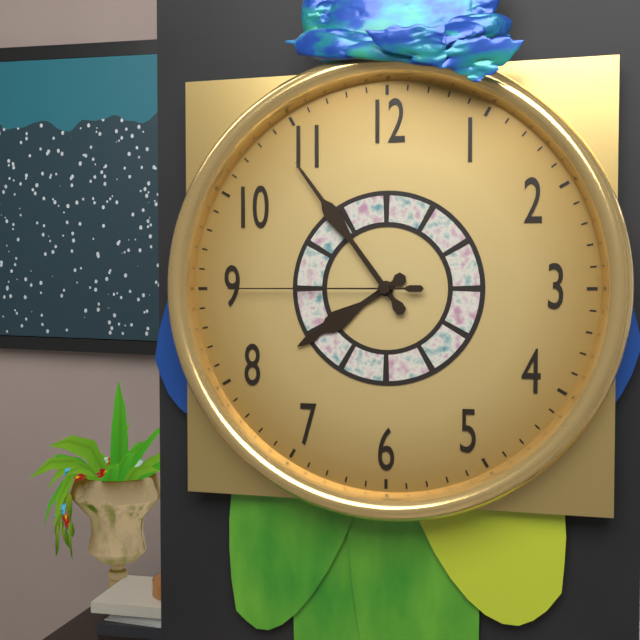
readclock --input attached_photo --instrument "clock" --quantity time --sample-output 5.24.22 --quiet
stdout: 7.54.45
